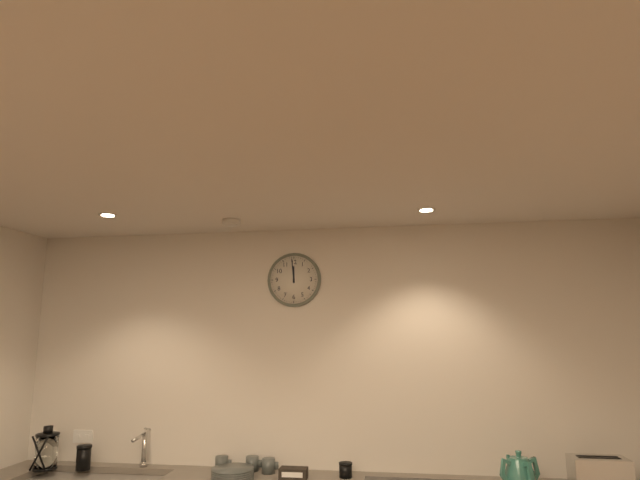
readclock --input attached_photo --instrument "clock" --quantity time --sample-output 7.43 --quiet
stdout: 11.59
